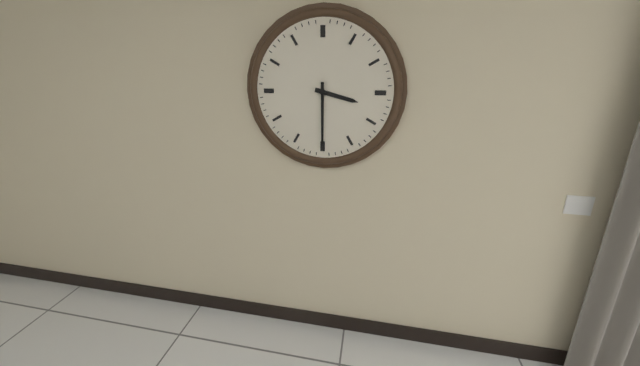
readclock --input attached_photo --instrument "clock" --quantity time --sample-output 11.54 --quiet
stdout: 3.30
